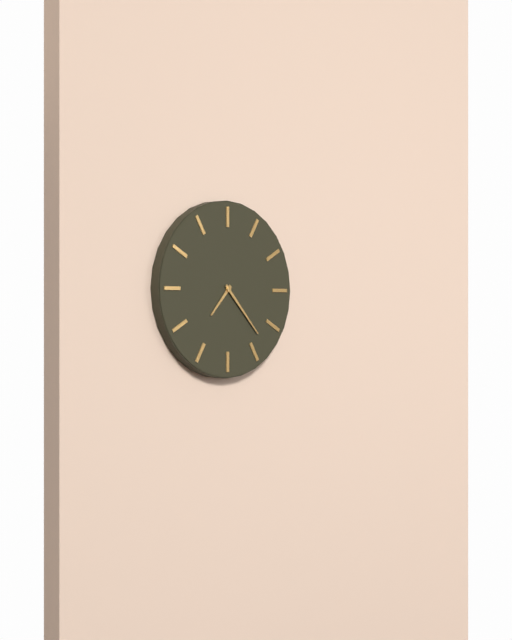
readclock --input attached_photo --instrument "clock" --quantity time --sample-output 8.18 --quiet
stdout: 7.23
